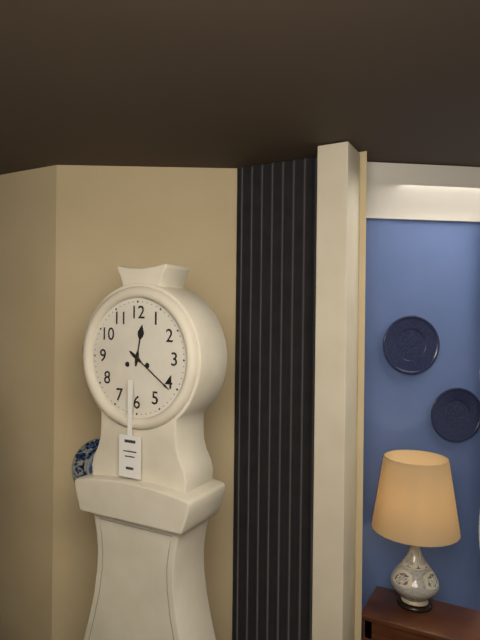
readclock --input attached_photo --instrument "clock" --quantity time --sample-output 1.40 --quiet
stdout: 12.21
